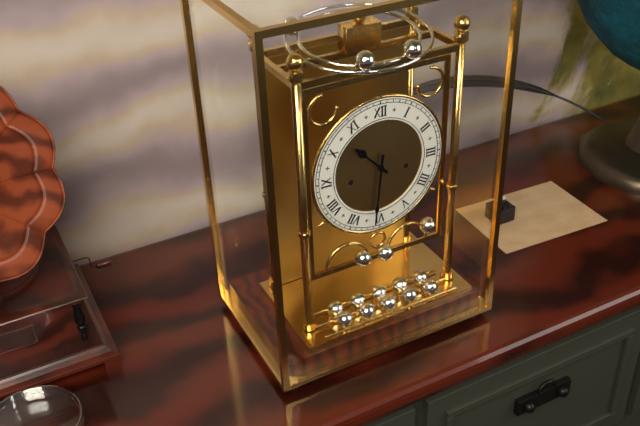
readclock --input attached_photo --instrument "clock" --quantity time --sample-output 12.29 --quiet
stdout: 10.31
